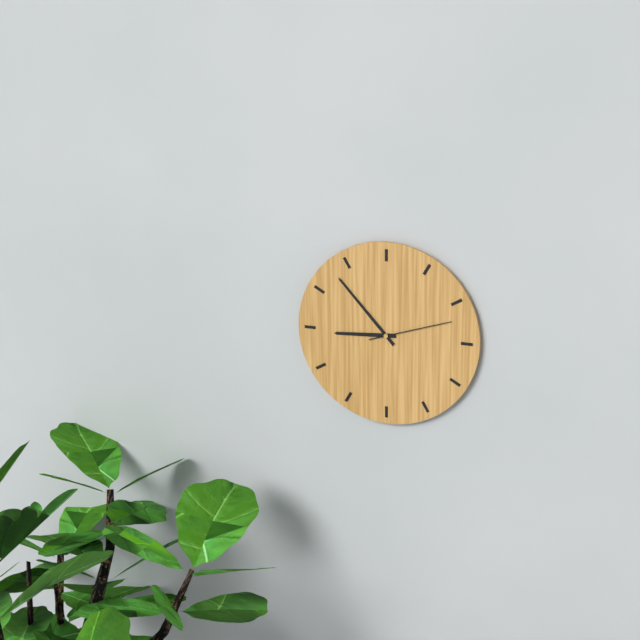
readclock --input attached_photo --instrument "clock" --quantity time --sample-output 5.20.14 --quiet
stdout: 8.53.12
